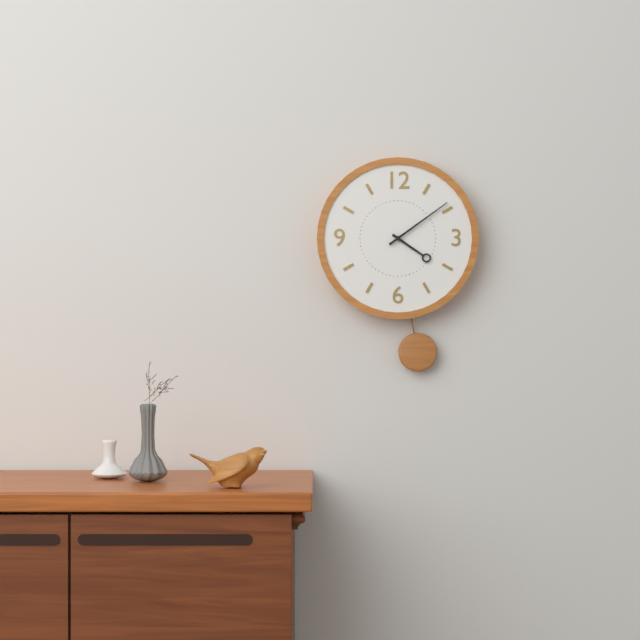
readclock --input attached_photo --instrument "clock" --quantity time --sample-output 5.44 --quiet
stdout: 4.09
